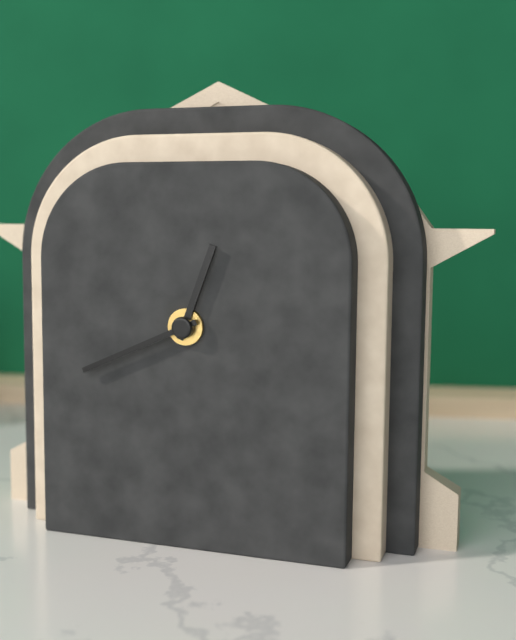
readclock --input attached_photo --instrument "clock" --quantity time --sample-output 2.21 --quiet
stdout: 12.41
